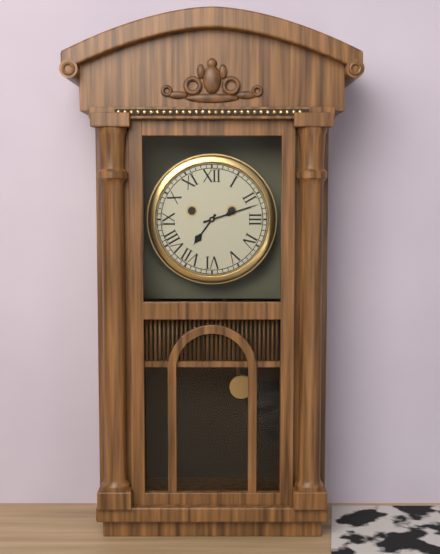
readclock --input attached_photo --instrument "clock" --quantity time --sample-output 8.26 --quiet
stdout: 7.12
